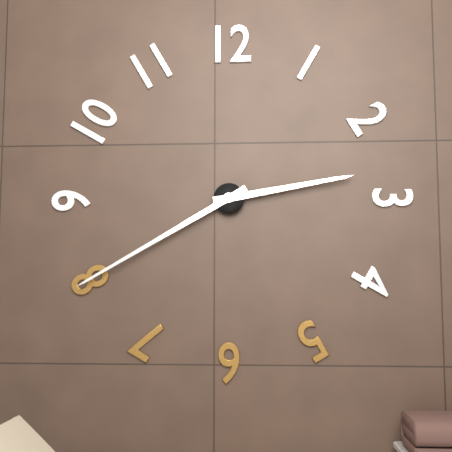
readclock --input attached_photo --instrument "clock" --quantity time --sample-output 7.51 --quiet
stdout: 2.40
